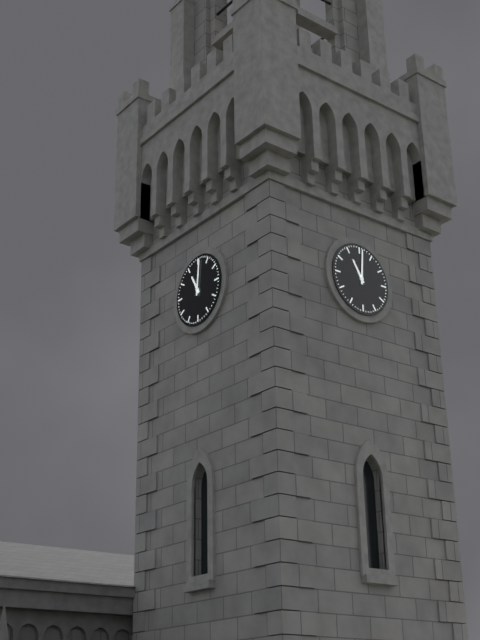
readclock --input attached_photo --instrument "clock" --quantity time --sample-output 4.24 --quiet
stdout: 11.01
